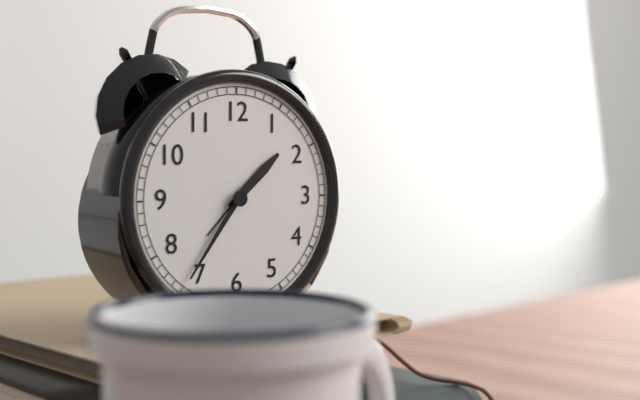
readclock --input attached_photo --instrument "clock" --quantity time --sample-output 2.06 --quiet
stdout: 1.36
